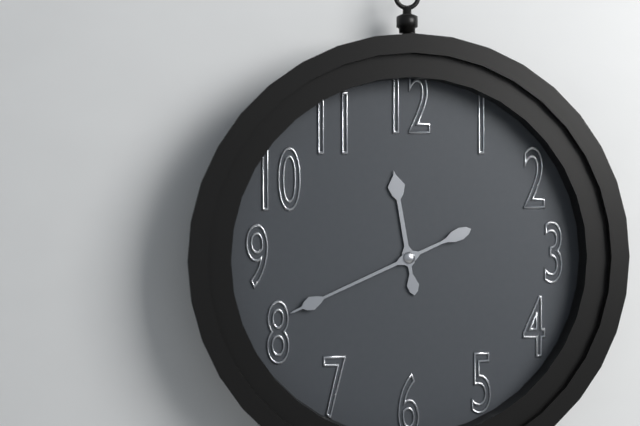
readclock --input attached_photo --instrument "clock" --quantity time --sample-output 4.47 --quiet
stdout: 11.41
